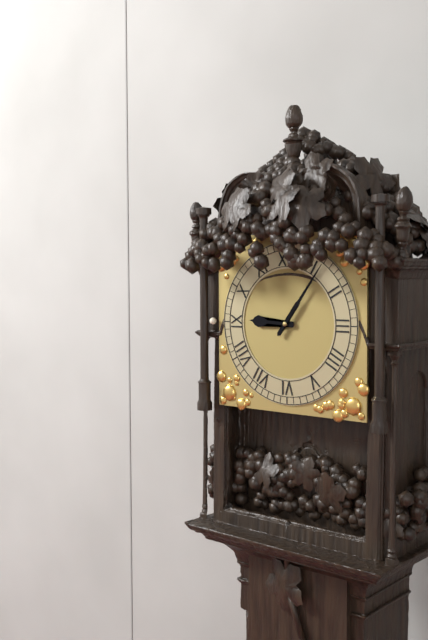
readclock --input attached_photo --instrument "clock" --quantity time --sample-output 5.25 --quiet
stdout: 9.06
